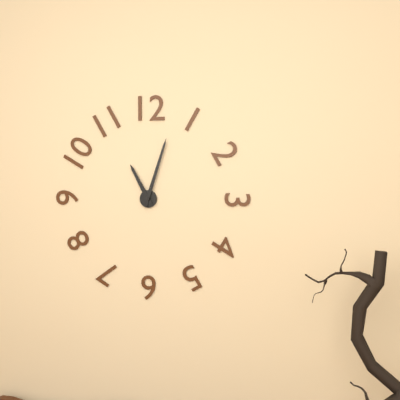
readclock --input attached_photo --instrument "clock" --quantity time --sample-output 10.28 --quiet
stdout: 11.03
